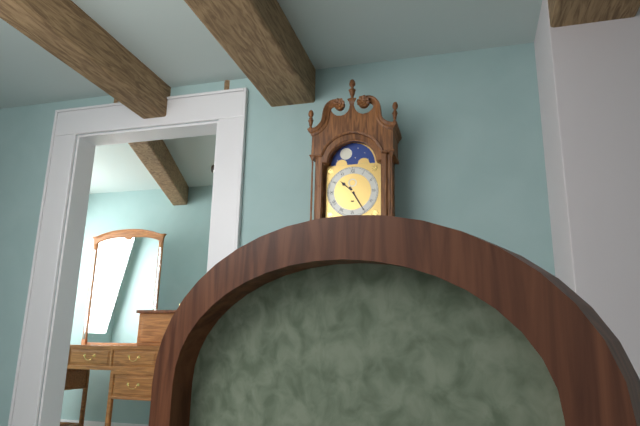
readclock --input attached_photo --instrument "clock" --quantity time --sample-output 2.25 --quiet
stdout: 10.25
